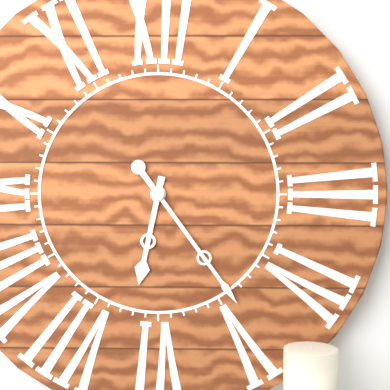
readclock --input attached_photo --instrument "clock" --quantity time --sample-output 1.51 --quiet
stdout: 6.24
